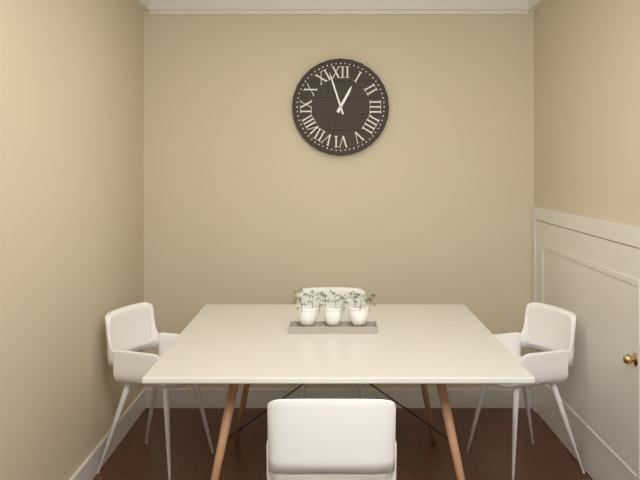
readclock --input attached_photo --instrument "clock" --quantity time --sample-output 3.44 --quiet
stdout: 12.57
